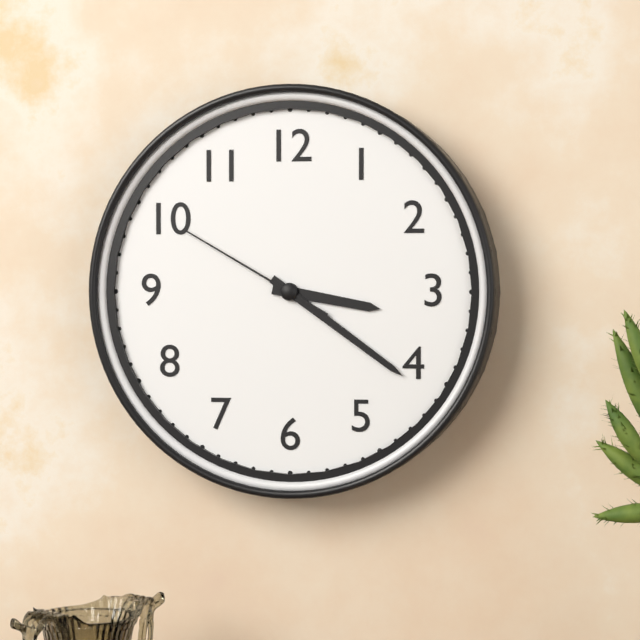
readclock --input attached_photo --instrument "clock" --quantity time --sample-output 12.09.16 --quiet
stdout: 3.21.50
